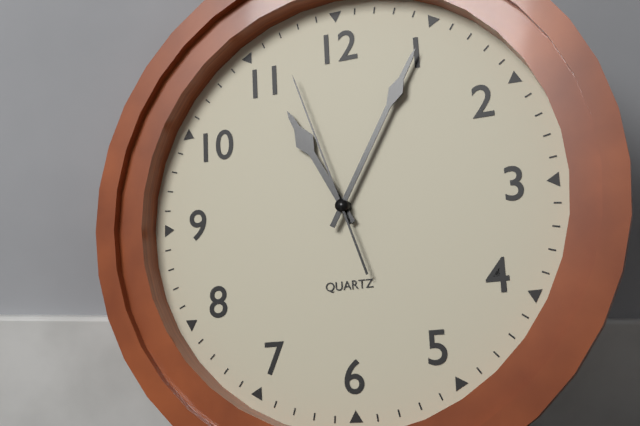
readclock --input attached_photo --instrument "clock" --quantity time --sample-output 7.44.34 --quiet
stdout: 11.05.57
